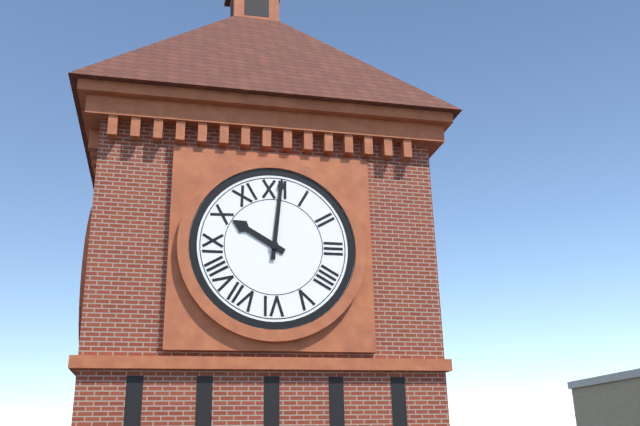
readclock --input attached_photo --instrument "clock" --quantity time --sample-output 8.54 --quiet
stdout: 10.01
